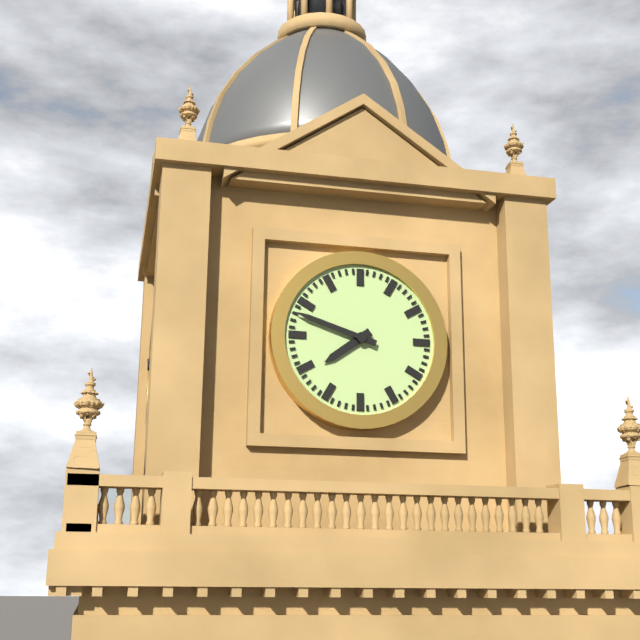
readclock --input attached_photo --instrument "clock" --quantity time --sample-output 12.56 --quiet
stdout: 7.48
